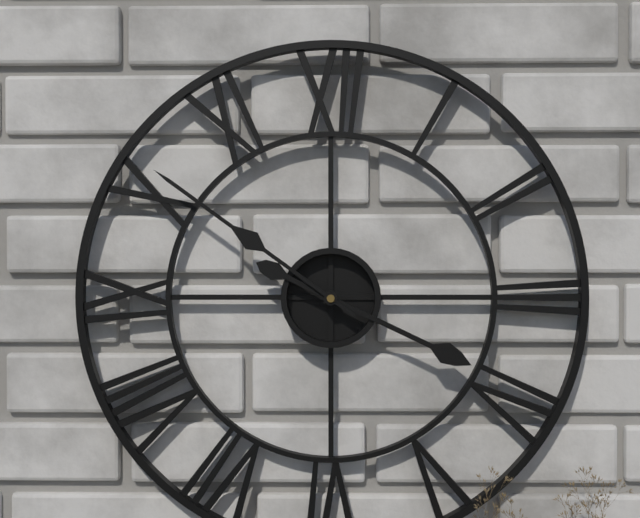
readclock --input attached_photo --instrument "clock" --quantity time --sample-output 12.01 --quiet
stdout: 3.51
